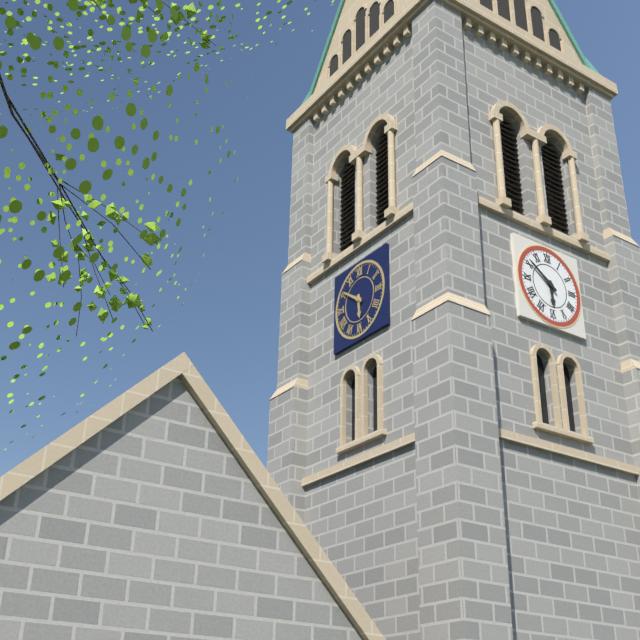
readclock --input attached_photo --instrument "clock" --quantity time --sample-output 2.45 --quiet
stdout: 5.51
